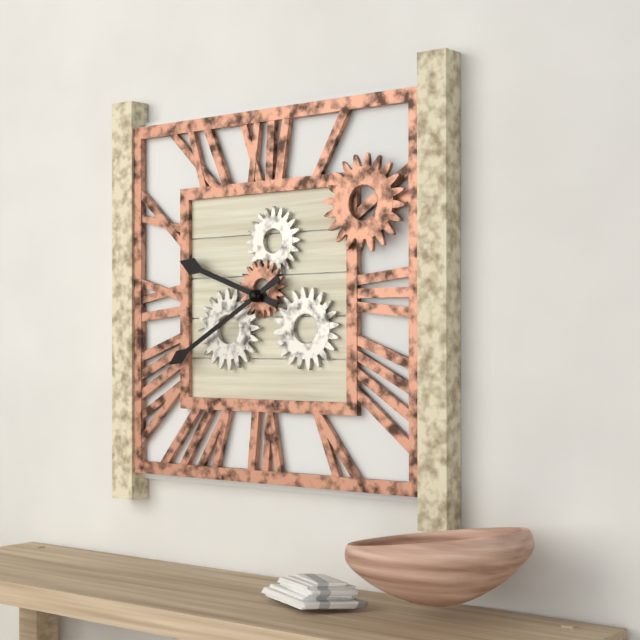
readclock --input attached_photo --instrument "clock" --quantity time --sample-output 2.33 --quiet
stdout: 9.40
